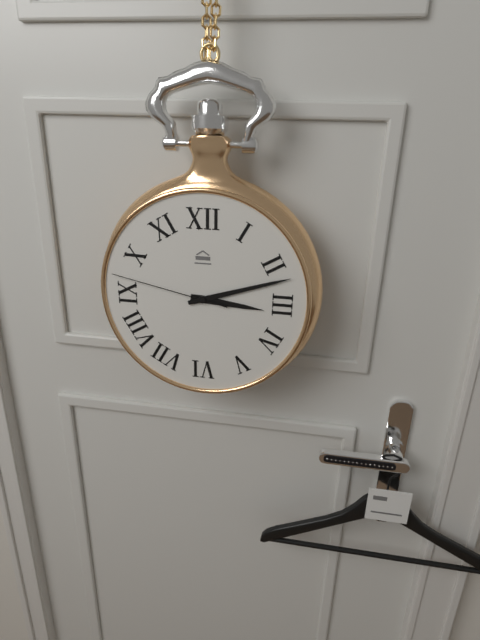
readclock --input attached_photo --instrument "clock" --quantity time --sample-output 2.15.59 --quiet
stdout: 3.12.47
